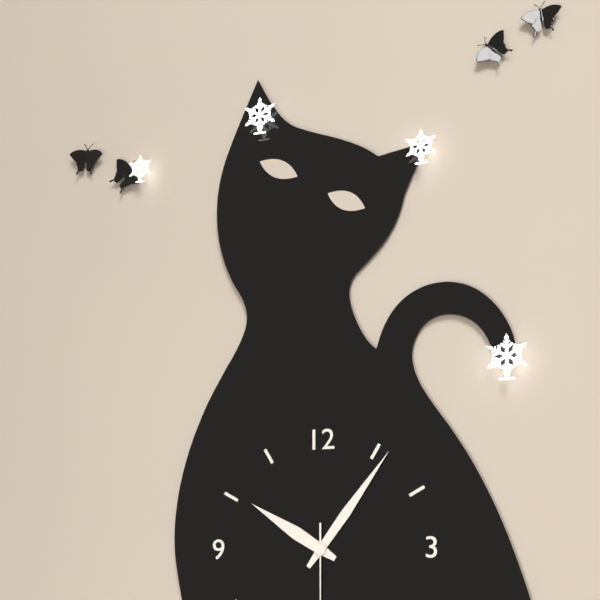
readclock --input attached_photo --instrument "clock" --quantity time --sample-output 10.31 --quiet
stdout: 10.06
